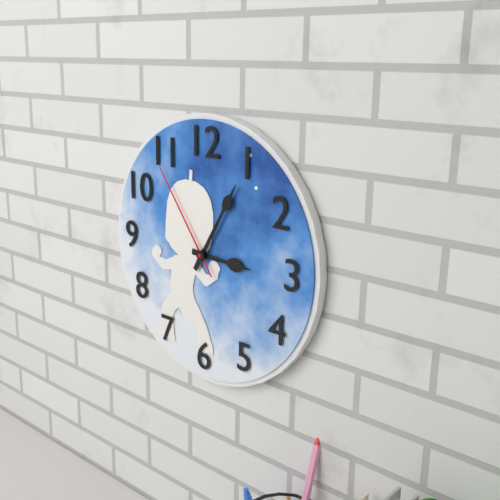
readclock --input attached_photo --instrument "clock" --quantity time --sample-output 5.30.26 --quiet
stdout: 3.05.54
